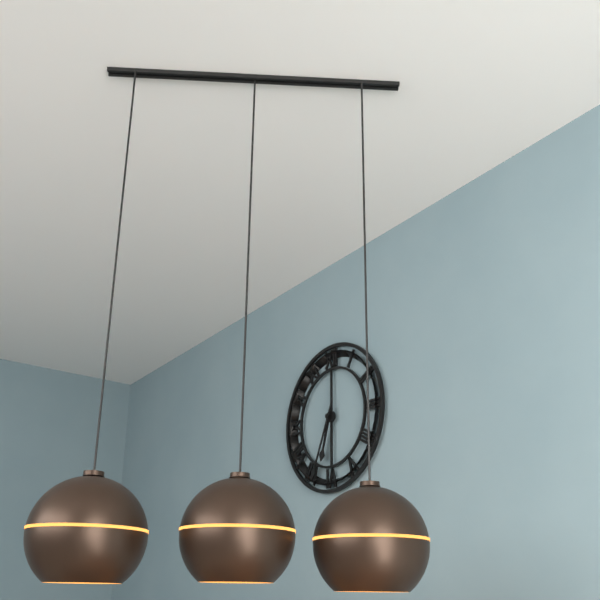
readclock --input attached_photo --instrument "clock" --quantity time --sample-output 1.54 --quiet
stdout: 6.34
